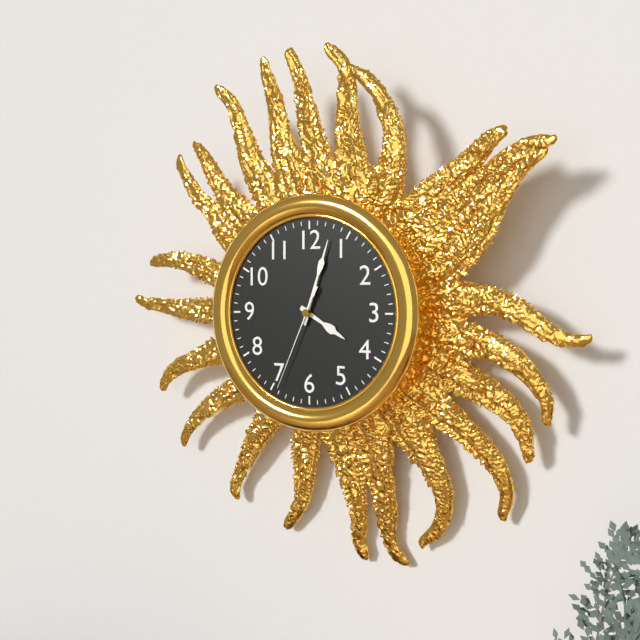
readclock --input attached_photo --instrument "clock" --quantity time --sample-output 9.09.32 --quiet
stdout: 4.03.34
